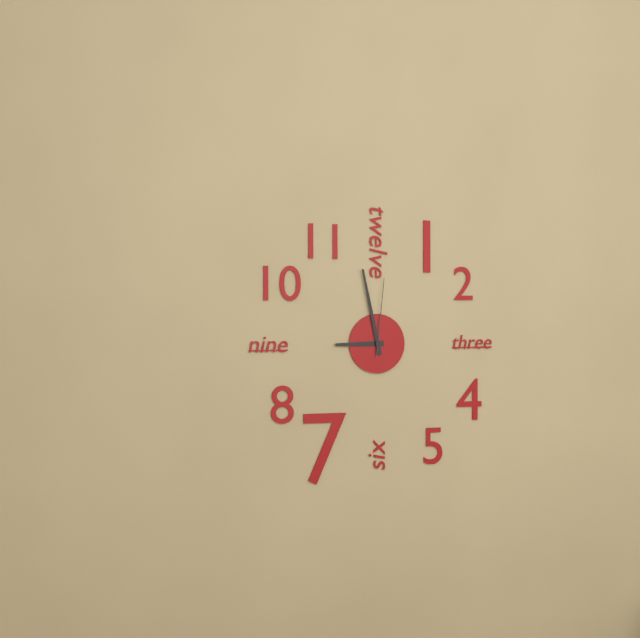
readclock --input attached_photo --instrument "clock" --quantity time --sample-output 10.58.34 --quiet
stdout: 8.58.01
